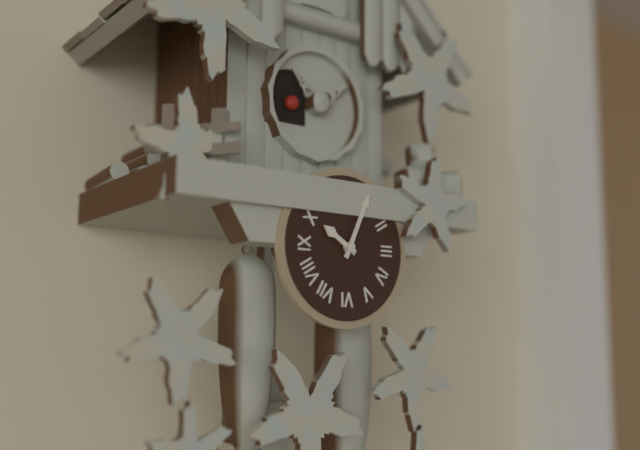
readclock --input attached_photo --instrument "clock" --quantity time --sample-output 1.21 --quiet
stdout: 10.04
